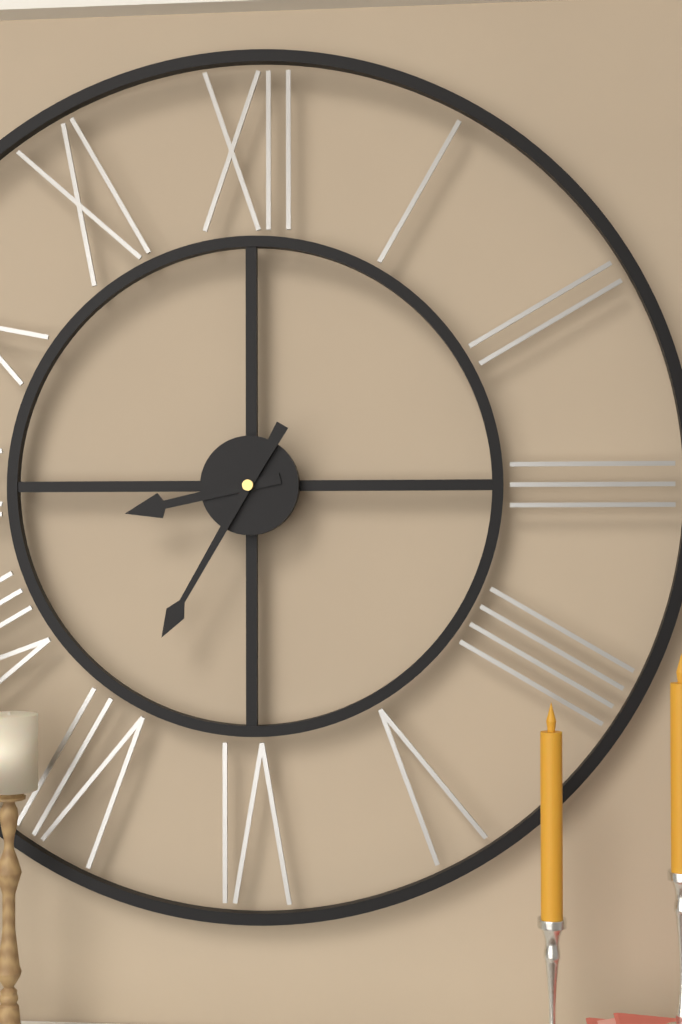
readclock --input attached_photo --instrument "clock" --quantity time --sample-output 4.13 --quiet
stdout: 8.35
